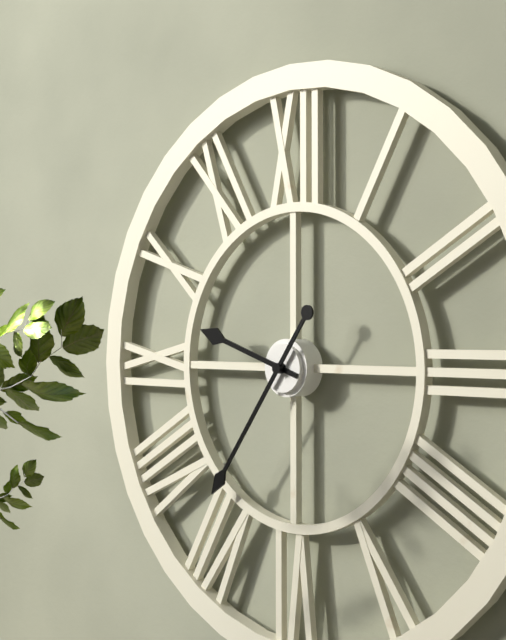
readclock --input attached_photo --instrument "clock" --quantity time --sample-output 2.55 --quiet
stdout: 9.36
